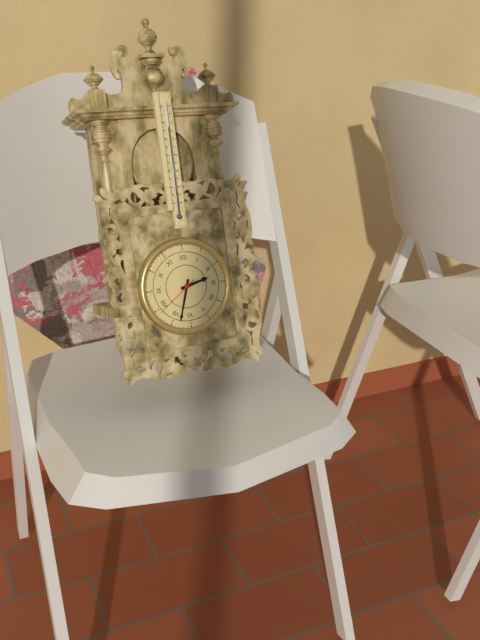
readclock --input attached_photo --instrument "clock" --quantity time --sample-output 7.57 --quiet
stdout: 2.33
